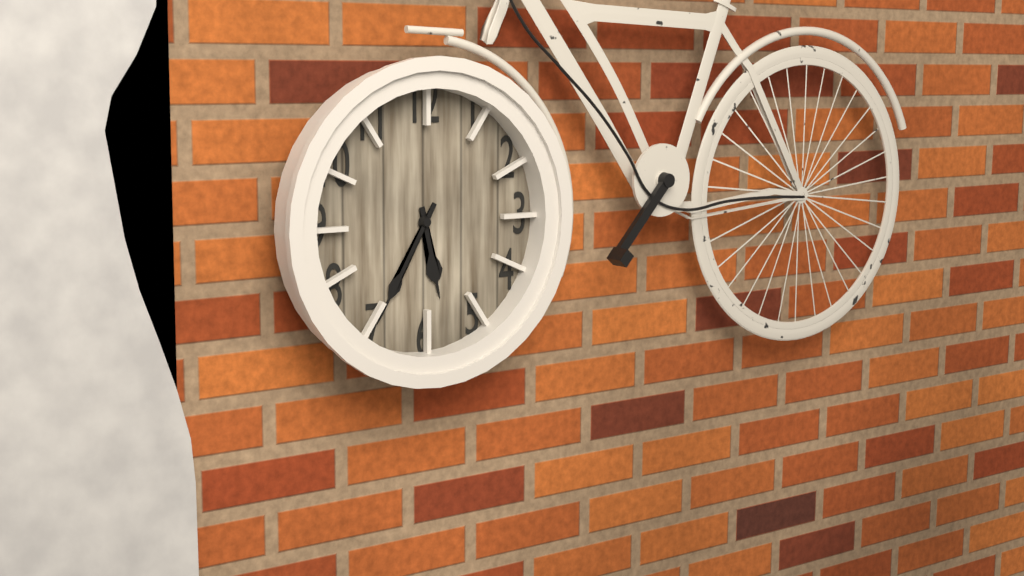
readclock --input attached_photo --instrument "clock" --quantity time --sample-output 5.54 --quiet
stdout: 5.35
